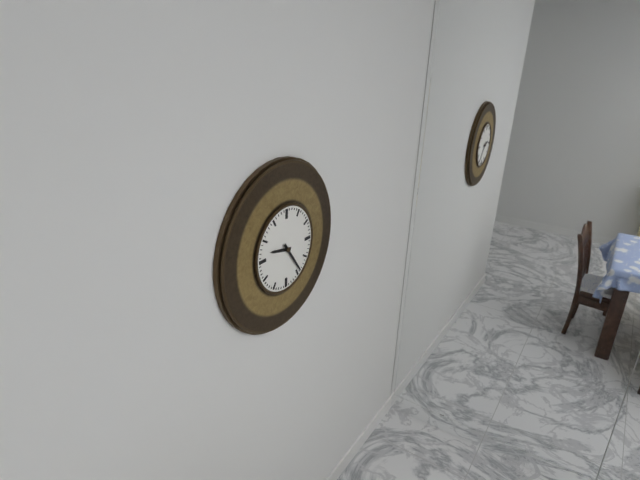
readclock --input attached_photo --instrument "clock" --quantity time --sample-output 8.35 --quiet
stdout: 9.24
